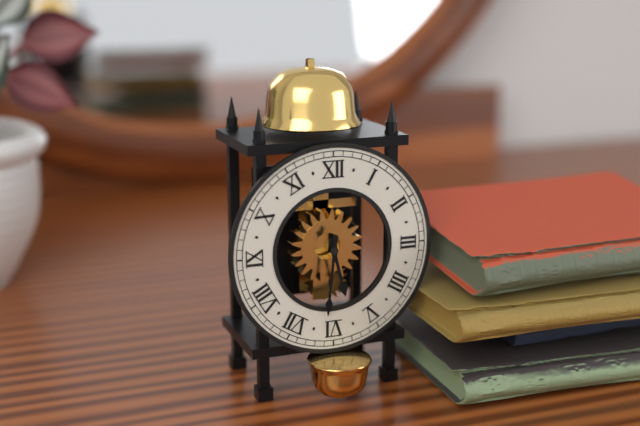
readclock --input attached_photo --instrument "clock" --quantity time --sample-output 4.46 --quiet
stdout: 5.31
